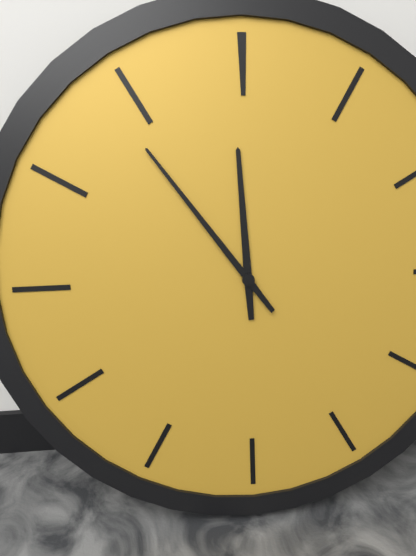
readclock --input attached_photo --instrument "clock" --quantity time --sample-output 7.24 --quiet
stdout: 11.54
